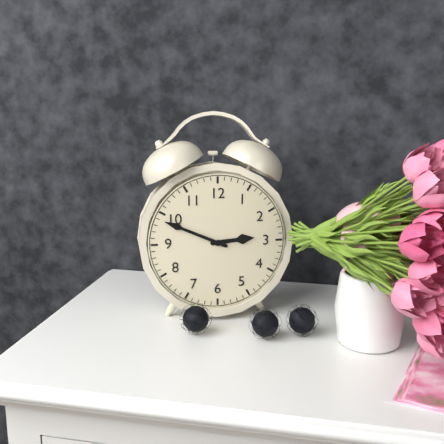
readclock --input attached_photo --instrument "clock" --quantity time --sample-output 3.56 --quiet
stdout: 2.49
